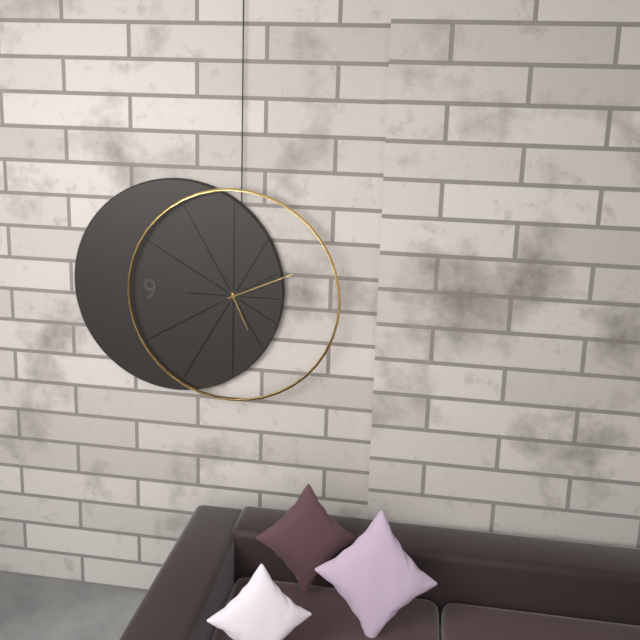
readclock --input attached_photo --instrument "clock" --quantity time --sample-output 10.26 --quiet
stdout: 5.11
